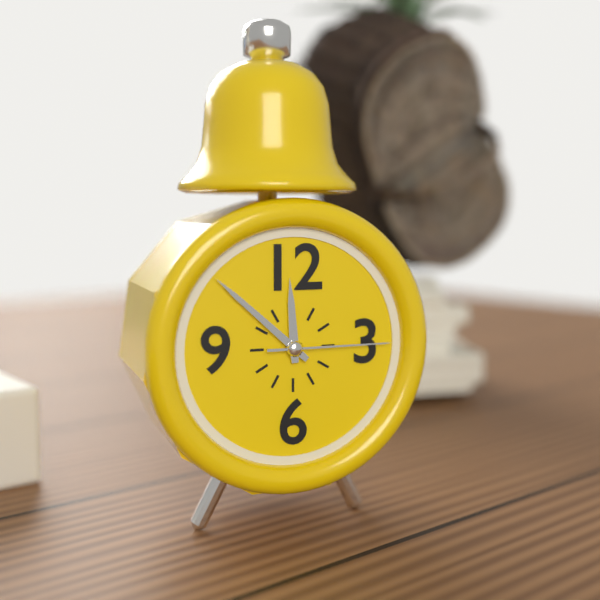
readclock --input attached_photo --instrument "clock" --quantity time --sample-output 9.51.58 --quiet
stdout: 11.52.15
